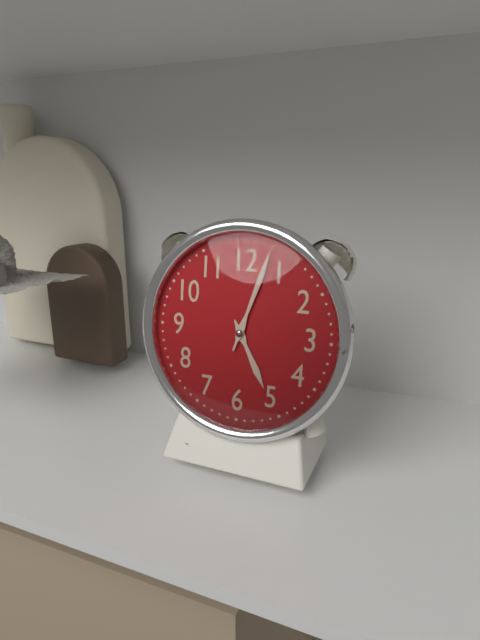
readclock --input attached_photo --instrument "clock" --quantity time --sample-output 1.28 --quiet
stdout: 5.03
